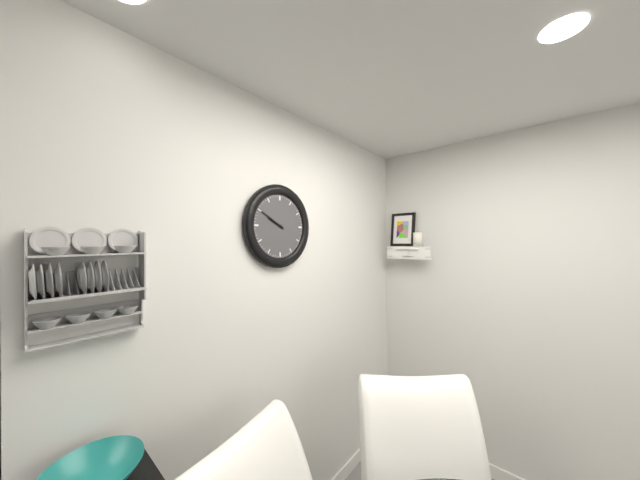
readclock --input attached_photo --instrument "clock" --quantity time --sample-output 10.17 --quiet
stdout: 9.50
